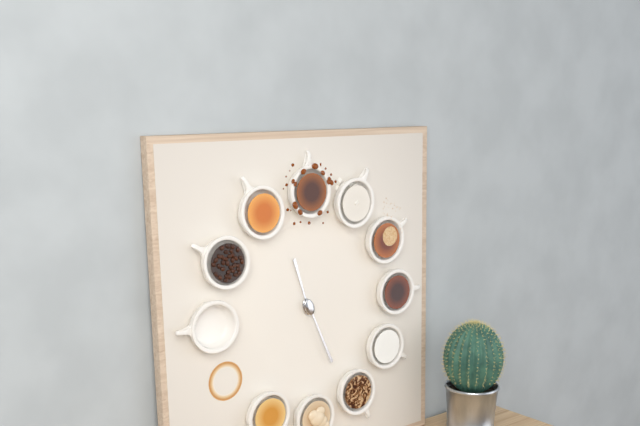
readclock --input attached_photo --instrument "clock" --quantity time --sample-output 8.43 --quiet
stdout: 11.26
